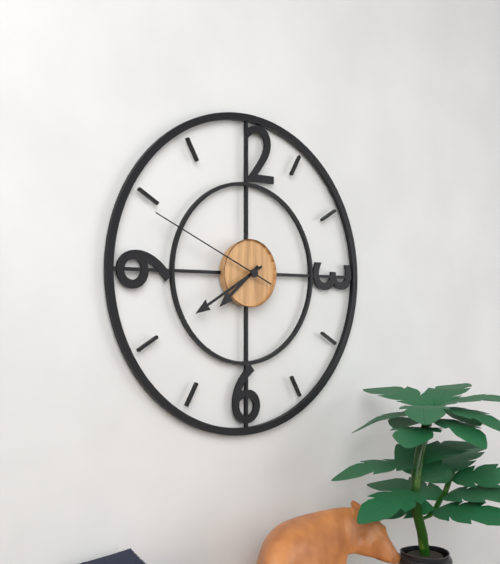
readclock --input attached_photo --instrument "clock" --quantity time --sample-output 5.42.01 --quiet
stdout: 7.40.49
